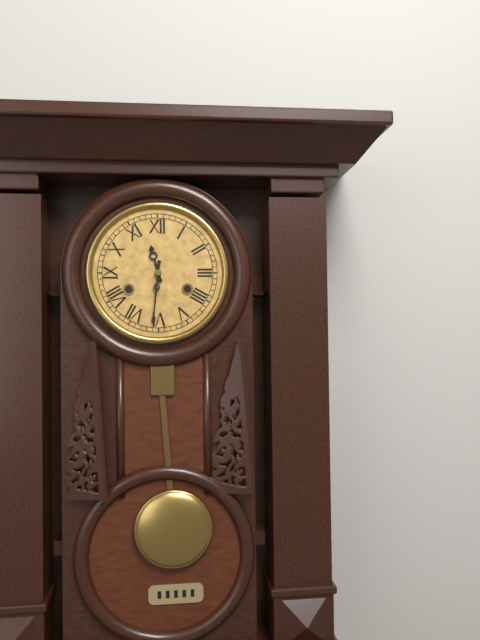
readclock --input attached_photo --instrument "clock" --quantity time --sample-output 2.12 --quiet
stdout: 11.31
